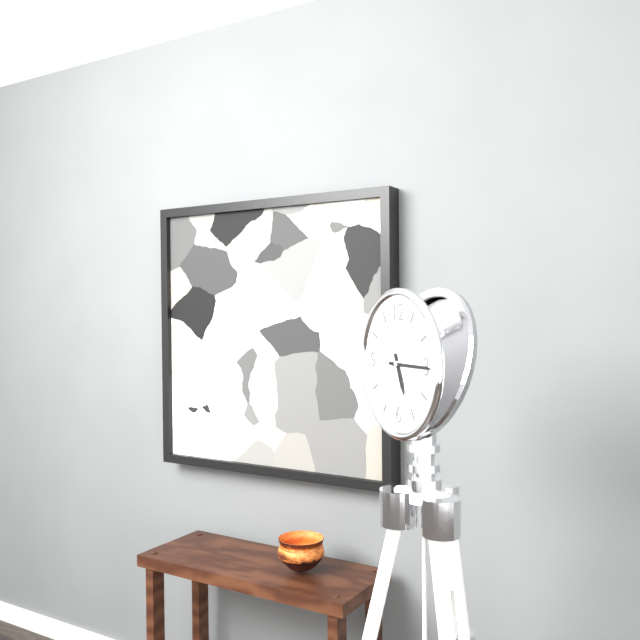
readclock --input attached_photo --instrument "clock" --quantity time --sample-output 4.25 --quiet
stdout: 5.15
